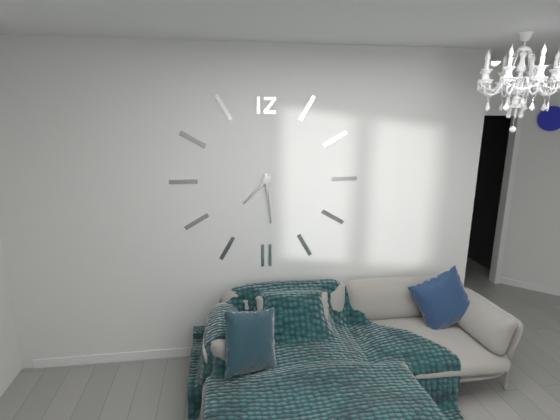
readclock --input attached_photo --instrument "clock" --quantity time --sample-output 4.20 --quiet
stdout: 7.29
